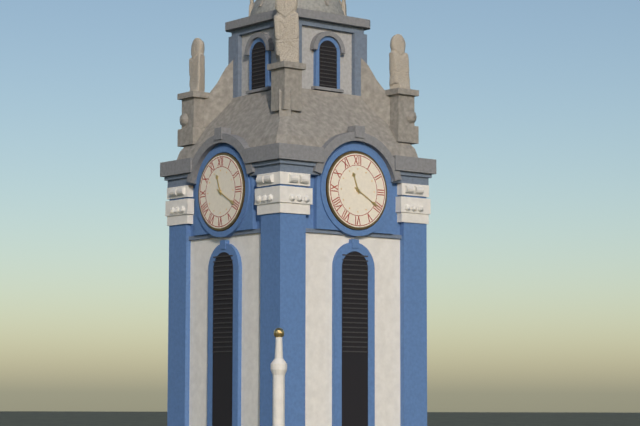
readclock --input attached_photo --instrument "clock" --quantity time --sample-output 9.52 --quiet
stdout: 11.20
